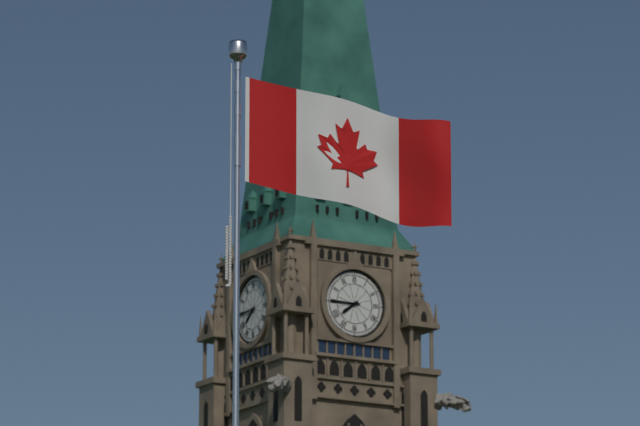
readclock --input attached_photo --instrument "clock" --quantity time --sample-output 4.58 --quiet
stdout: 7.45
